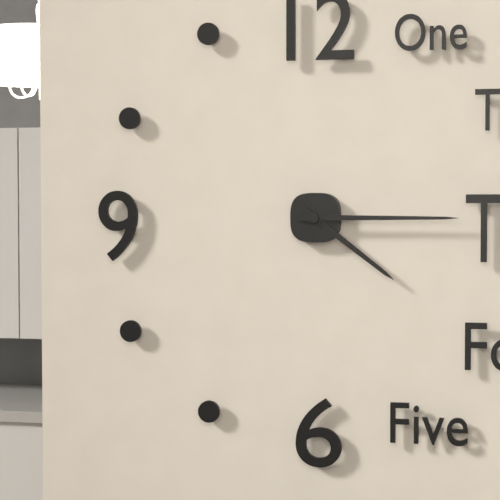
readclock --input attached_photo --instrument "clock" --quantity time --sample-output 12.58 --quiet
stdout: 4.15
